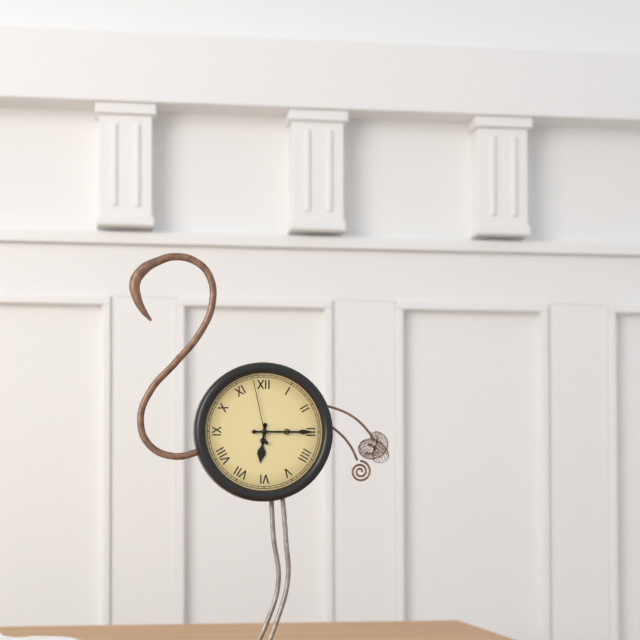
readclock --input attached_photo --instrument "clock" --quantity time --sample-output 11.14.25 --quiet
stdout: 6.15.58
